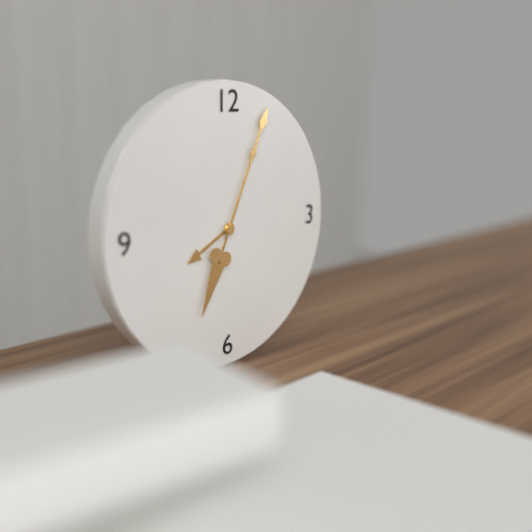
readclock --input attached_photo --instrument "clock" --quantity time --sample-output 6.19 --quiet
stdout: 8.04
